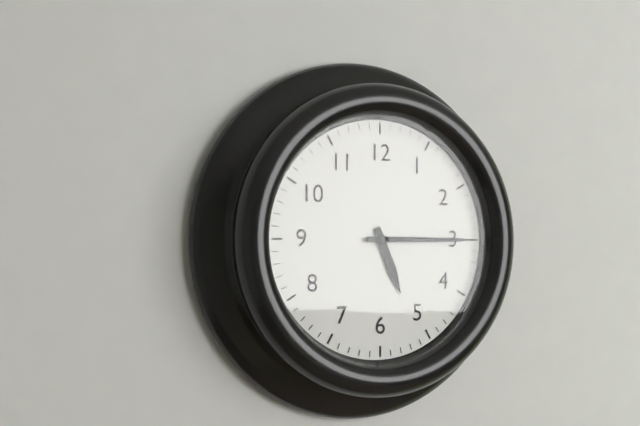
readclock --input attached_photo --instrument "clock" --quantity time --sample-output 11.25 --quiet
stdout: 5.15
